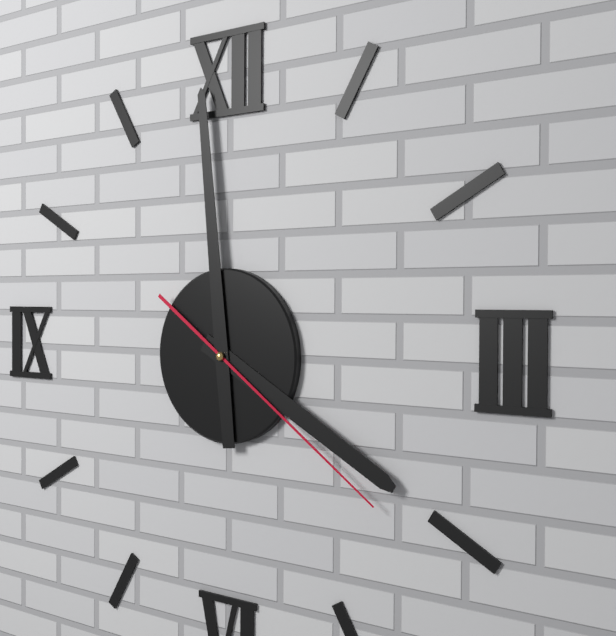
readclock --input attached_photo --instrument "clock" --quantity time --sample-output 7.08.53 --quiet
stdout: 3.59.21
